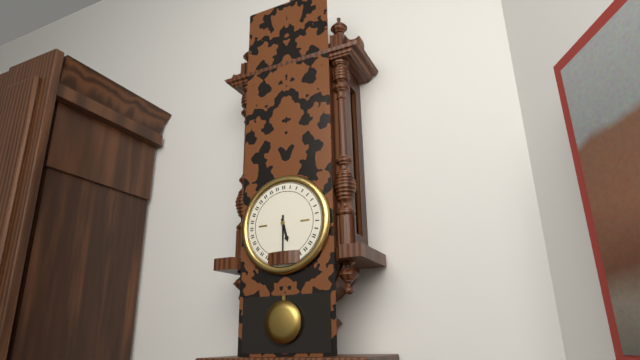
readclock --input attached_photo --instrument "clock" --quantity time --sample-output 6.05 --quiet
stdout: 5.30
